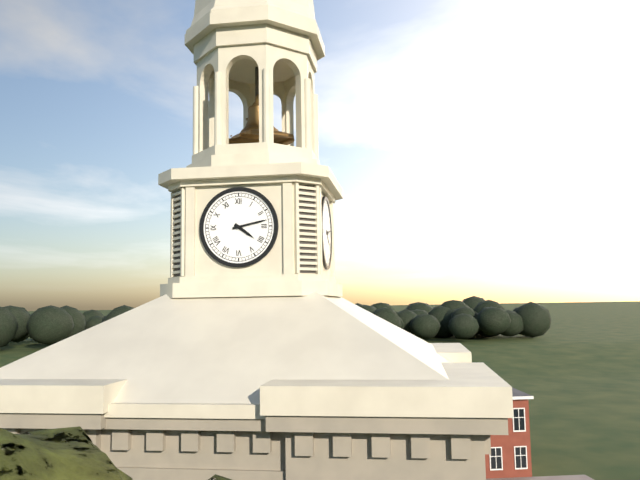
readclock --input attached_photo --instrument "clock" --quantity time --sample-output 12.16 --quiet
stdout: 4.13
